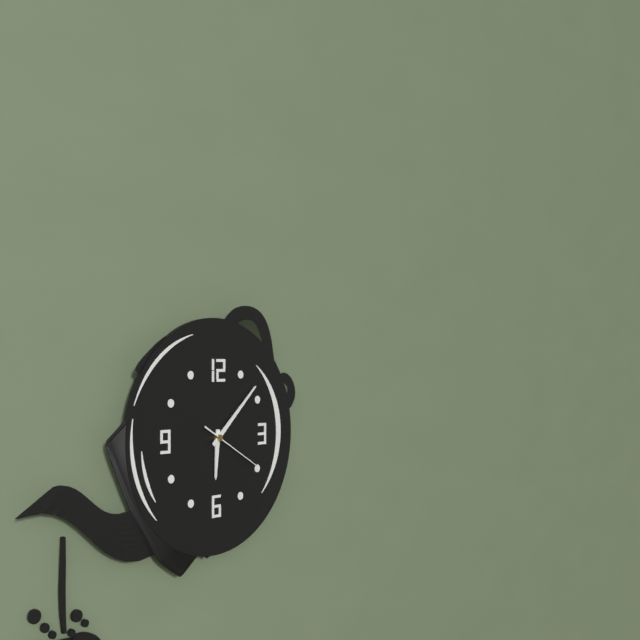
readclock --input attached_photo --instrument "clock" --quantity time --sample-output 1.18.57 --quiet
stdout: 6.08.20
